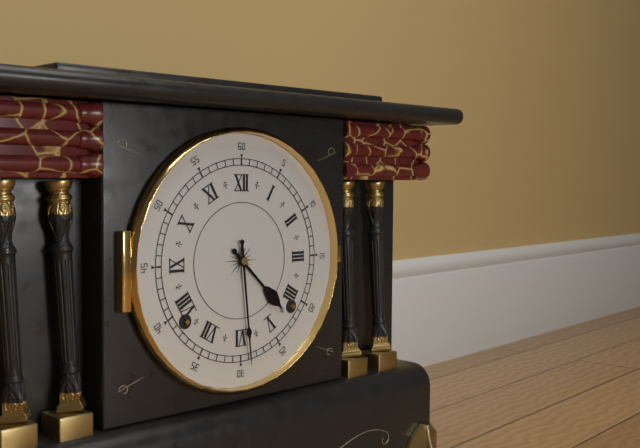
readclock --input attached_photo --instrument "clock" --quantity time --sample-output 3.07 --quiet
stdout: 4.29
